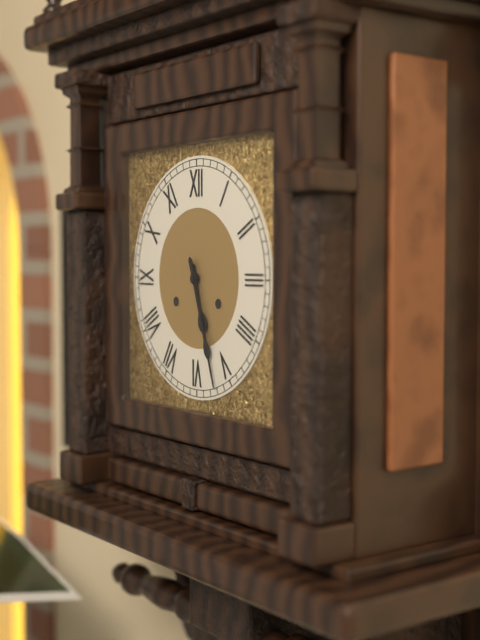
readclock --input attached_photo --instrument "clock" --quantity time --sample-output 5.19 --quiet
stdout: 5.27
